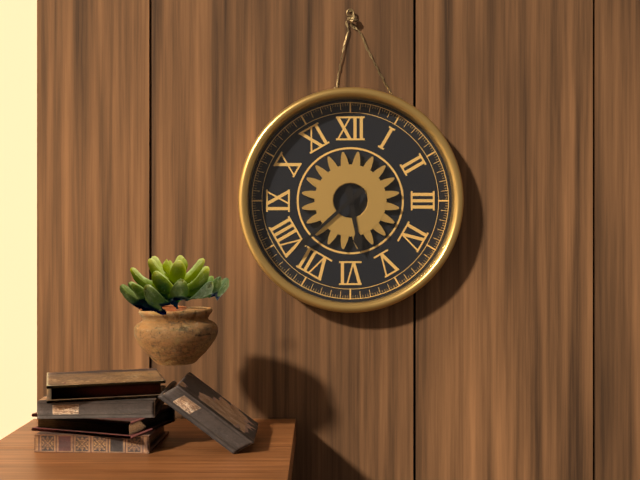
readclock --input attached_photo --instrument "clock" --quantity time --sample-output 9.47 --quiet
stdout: 5.38
